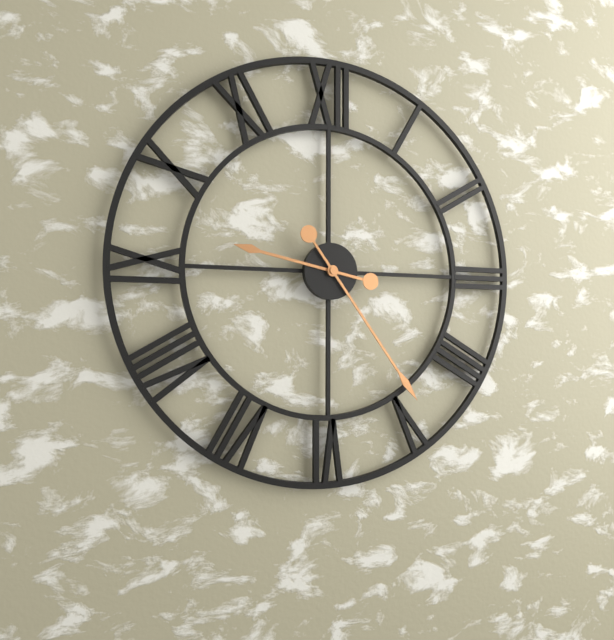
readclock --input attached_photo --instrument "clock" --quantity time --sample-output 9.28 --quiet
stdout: 9.24
